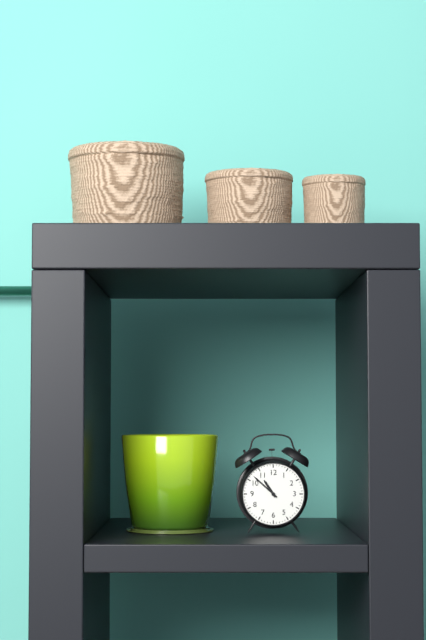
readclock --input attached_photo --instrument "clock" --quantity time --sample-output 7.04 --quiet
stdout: 10.52
